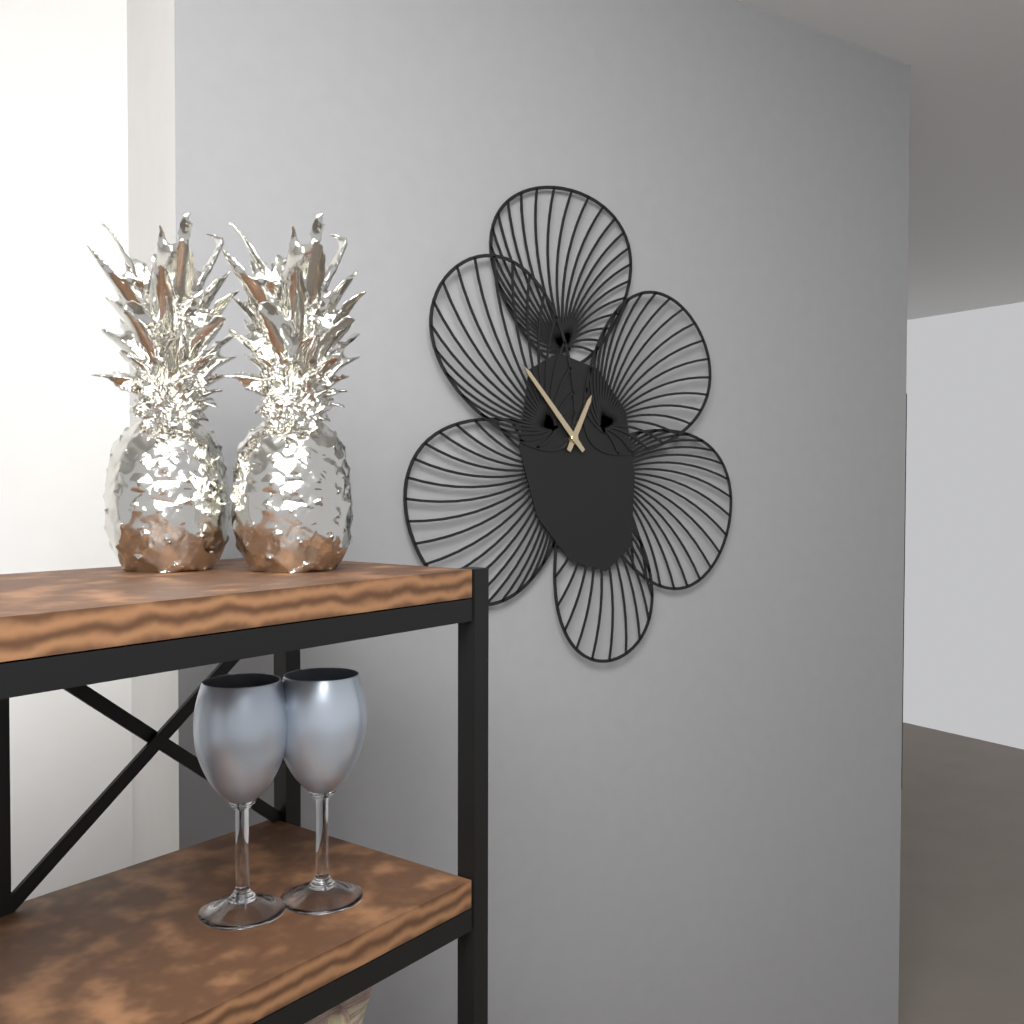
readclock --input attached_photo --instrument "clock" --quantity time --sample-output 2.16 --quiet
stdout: 12.53
